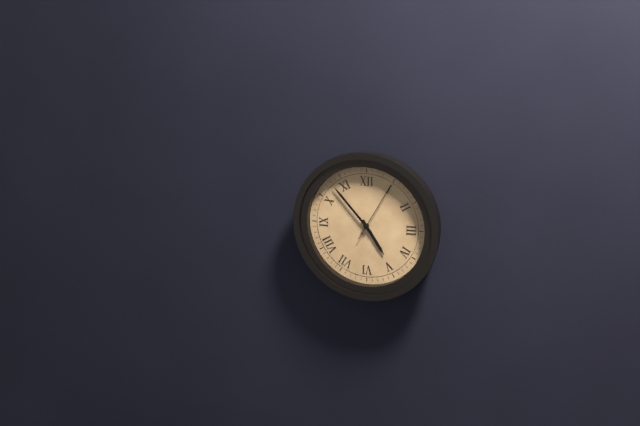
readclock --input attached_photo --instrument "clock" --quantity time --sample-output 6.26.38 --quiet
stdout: 4.53.05
